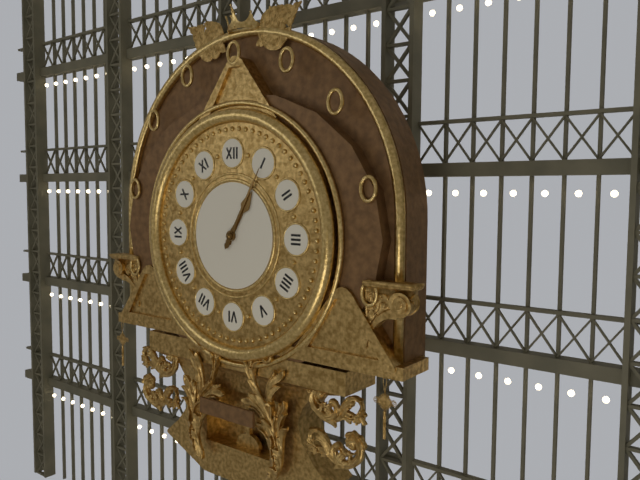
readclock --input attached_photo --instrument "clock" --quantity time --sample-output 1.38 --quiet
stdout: 1.05
